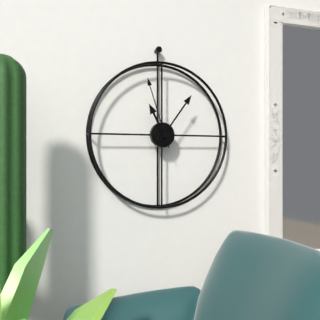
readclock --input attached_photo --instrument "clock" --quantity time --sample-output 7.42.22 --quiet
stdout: 11.06.57
